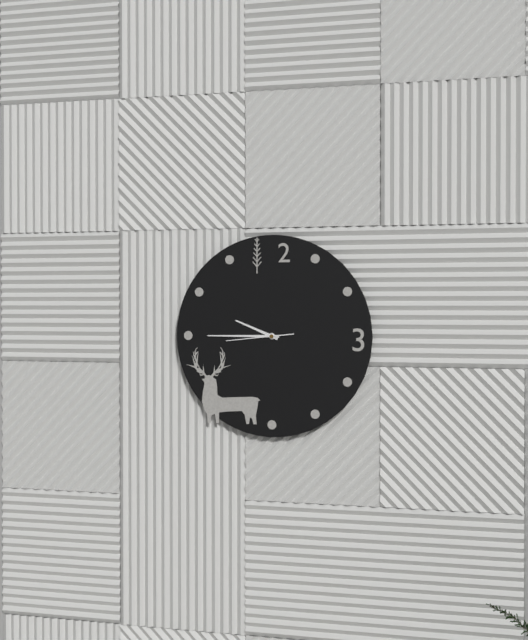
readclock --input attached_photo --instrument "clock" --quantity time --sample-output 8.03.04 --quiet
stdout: 9.45.44
